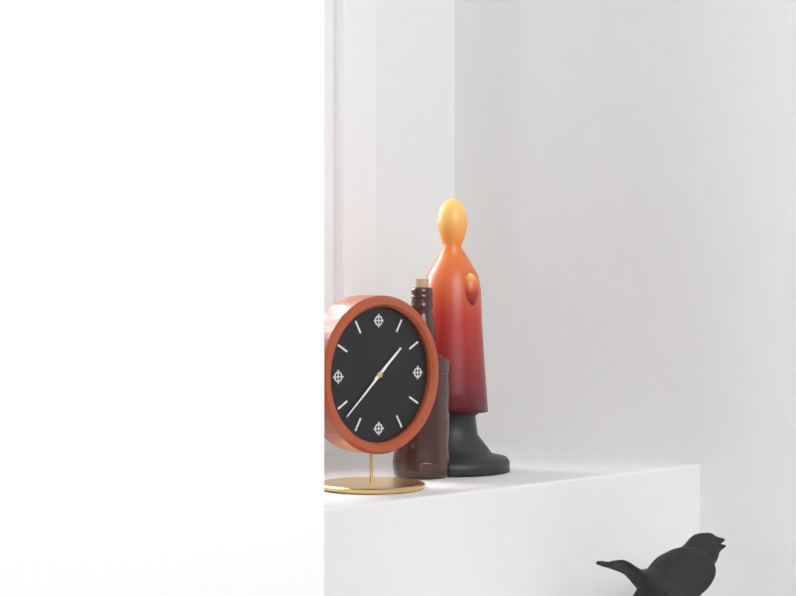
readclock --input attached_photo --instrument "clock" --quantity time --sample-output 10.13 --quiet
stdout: 1.38
